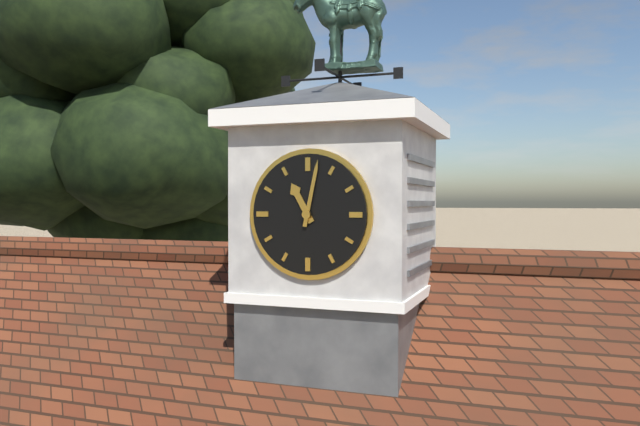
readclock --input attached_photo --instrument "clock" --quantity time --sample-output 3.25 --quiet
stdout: 11.02
